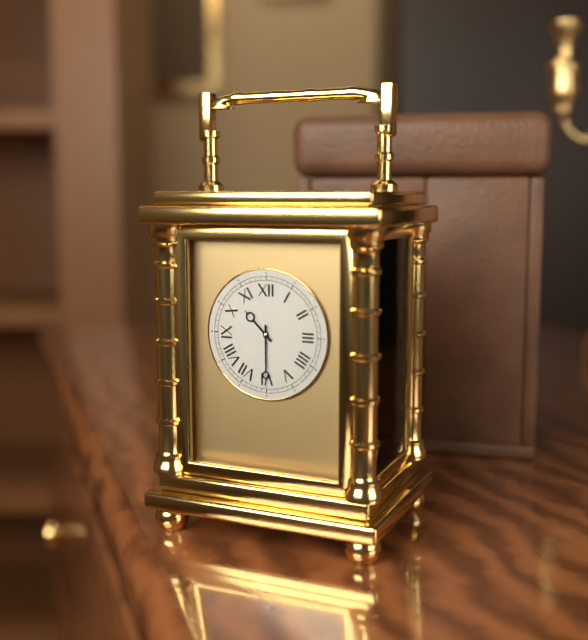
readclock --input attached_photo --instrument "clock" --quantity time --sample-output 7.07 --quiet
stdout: 10.30
